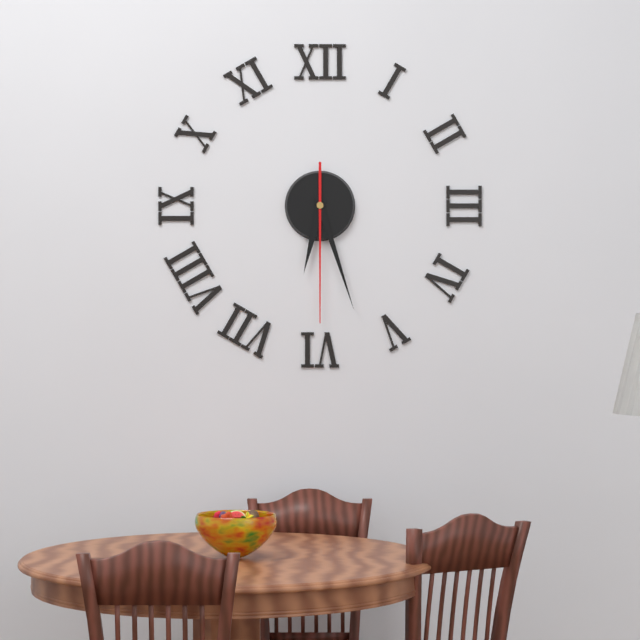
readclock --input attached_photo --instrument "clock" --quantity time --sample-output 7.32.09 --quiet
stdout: 6.27.30
